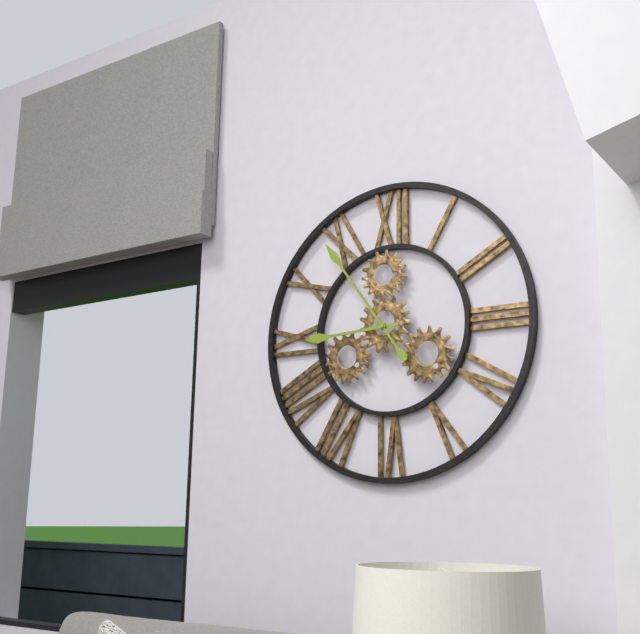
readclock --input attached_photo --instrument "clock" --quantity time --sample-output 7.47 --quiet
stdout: 8.54
